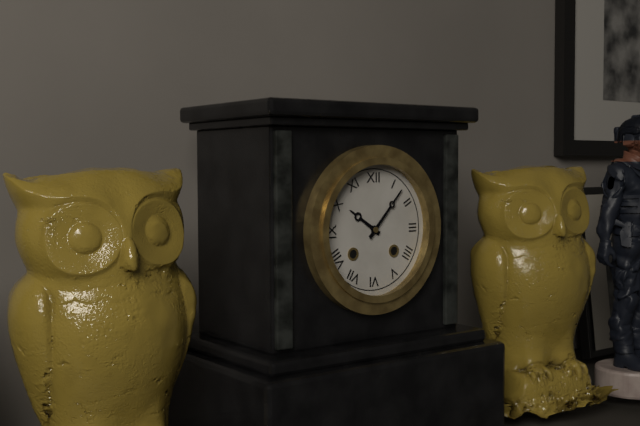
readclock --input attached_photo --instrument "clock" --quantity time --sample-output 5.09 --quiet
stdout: 10.07
